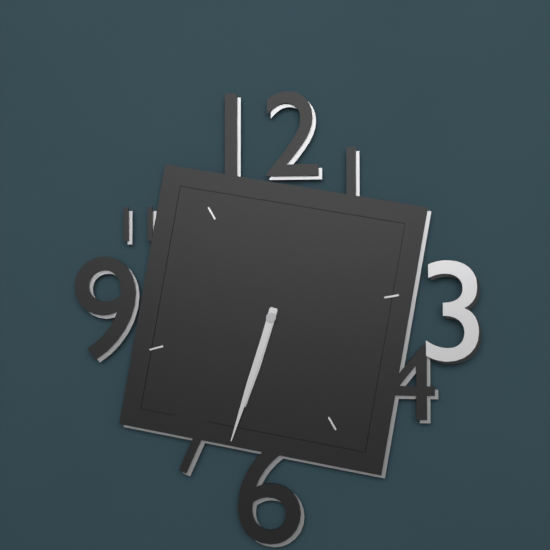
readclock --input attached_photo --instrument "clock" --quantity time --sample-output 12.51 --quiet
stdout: 6.33
